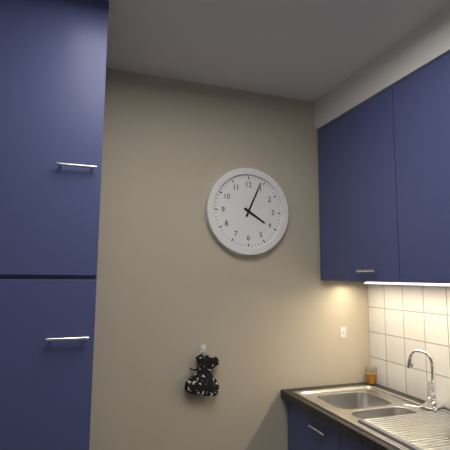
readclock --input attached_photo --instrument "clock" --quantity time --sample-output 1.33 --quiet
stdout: 4.04
